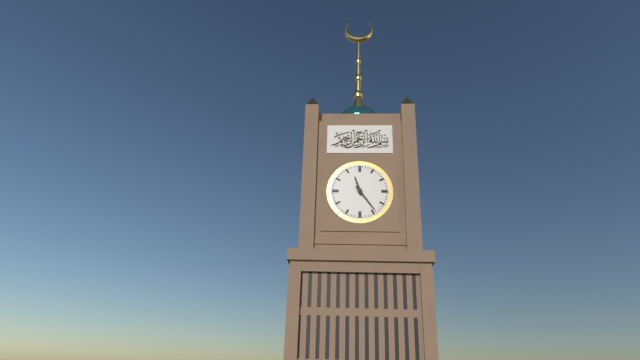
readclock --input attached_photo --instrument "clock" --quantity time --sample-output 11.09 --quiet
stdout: 11.24
